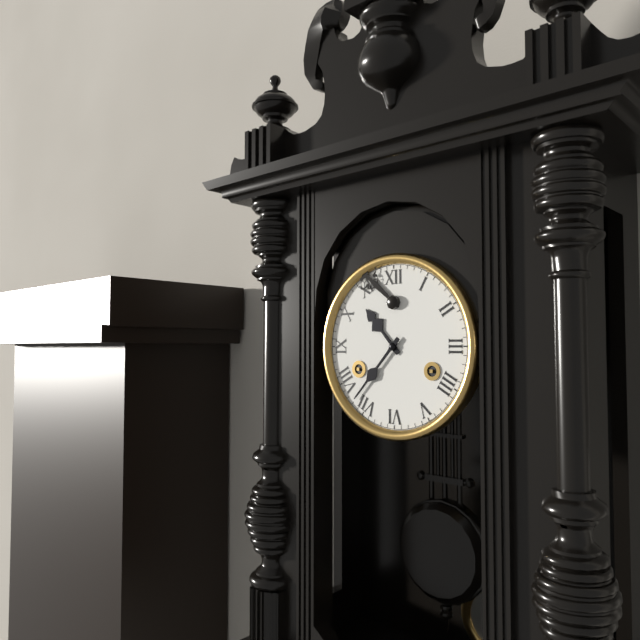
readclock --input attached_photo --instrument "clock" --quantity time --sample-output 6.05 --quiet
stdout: 10.37
